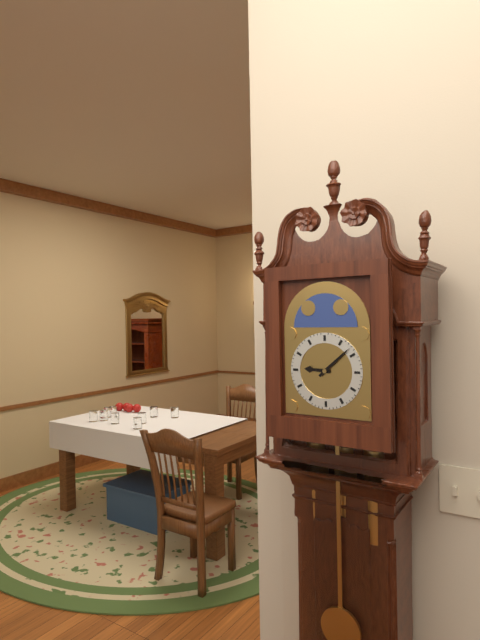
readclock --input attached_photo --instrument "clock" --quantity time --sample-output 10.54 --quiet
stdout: 9.08
